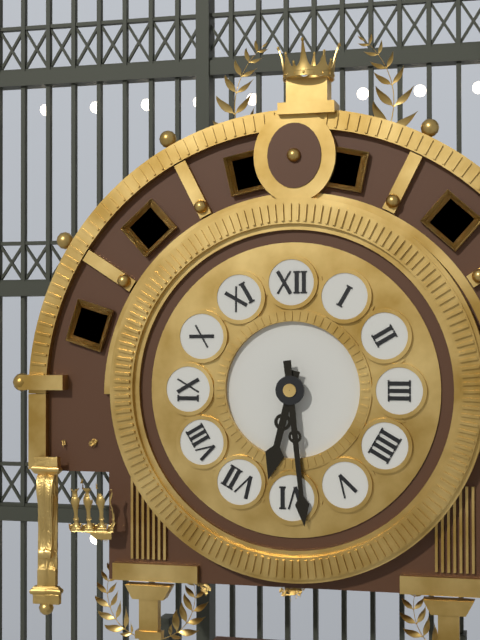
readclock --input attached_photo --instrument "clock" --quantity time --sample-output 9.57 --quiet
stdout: 6.29
